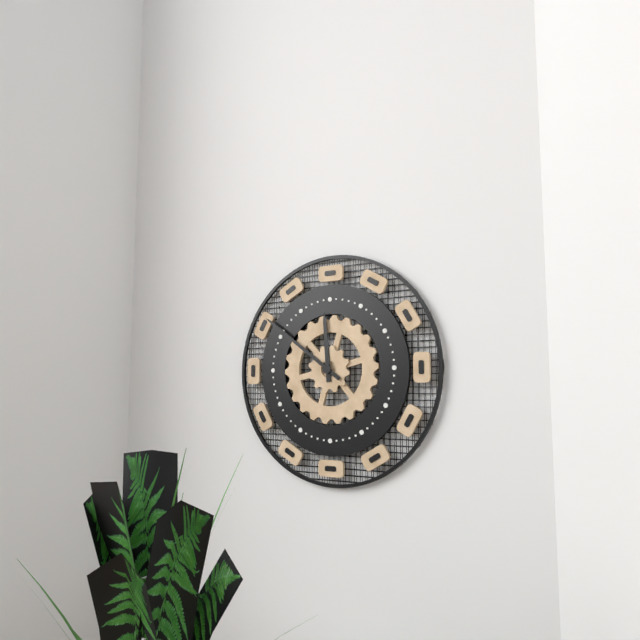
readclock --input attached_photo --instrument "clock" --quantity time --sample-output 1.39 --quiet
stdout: 11.51
